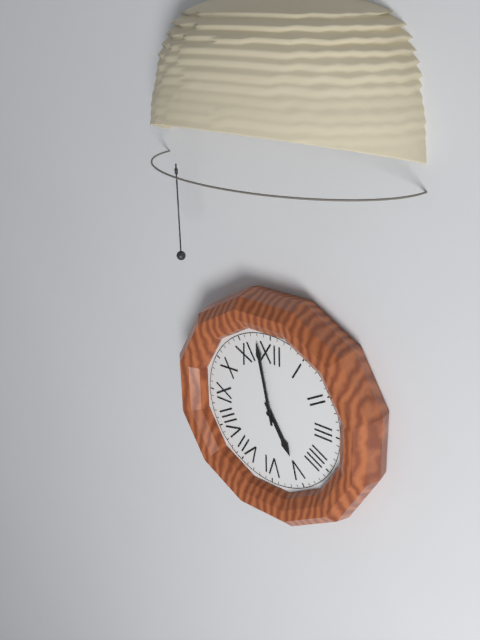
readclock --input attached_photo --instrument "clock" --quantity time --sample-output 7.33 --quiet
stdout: 4.58
